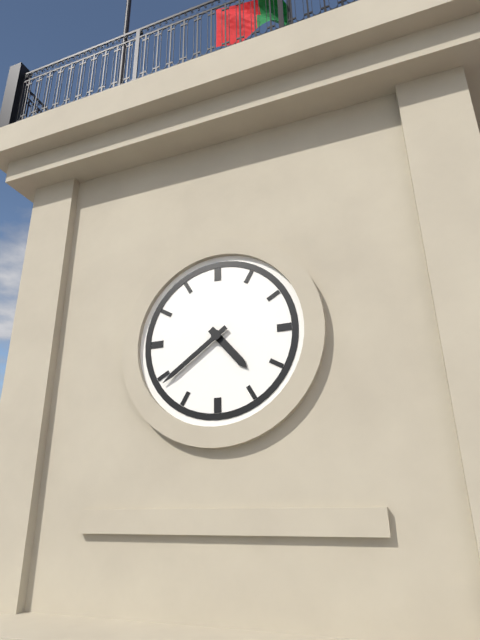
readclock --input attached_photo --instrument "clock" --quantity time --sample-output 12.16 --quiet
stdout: 4.39
